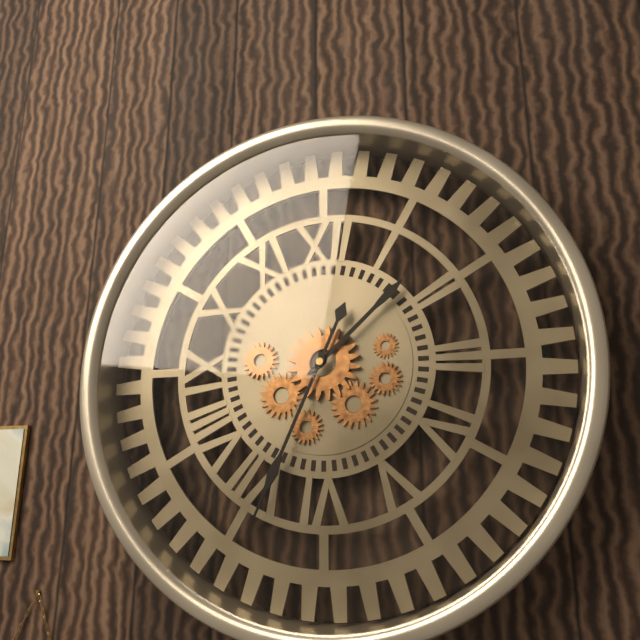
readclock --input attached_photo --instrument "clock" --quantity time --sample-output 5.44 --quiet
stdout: 1.34
